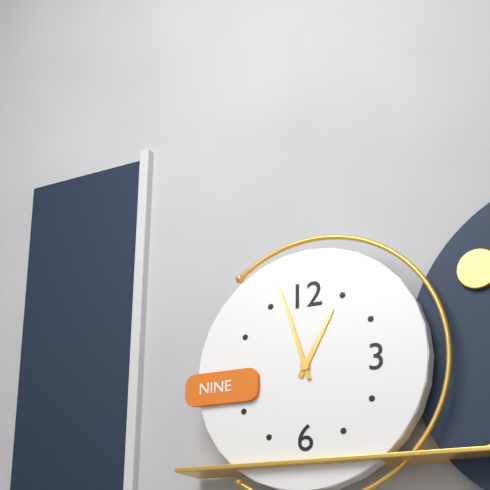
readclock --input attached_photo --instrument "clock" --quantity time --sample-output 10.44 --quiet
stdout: 12.57
